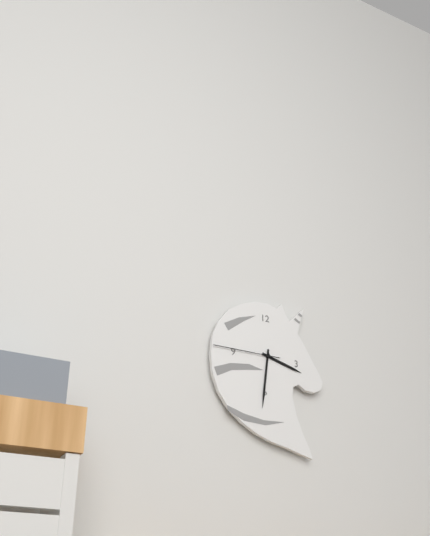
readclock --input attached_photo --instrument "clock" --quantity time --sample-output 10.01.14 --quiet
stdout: 3.31.45
